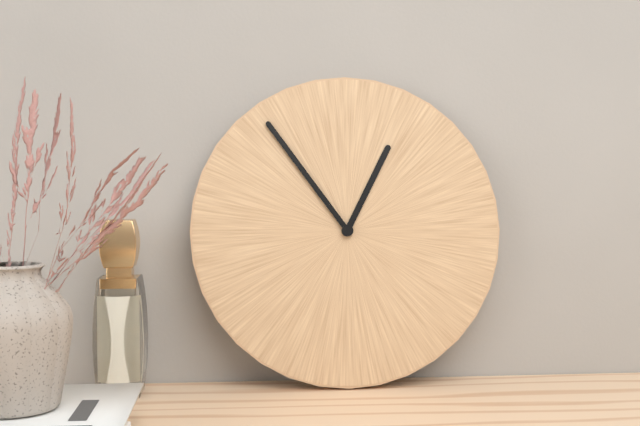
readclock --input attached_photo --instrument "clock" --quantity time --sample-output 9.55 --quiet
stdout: 12.54
